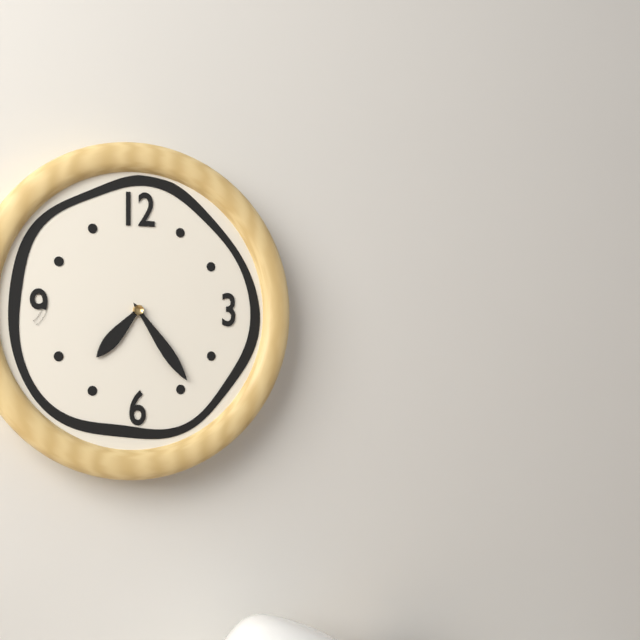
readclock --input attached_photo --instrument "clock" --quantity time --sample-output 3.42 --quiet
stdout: 7.24
